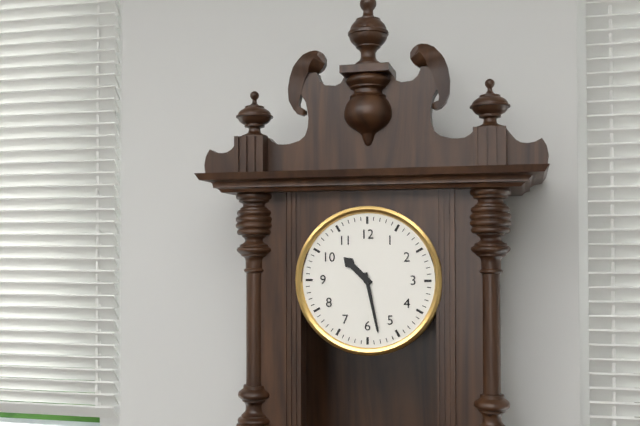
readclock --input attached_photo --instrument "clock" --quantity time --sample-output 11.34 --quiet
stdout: 10.28
